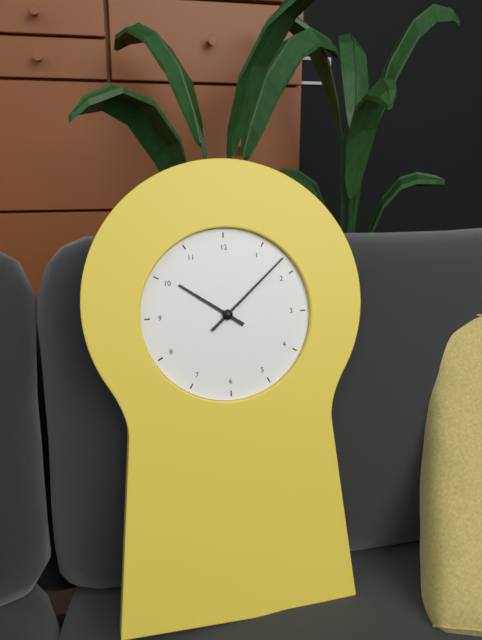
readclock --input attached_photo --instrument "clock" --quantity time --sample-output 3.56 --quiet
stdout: 10.08
